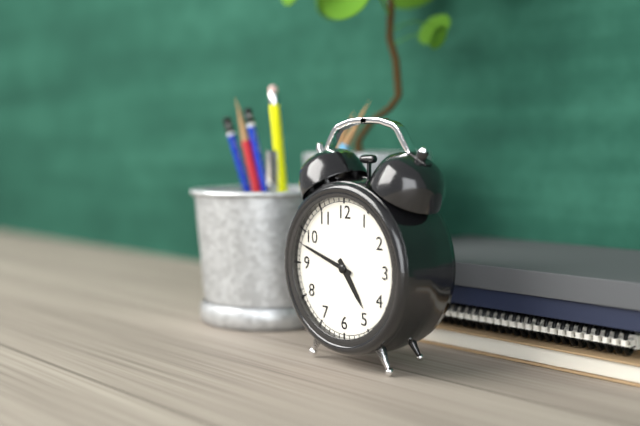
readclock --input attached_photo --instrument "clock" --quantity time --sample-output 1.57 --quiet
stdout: 4.48
